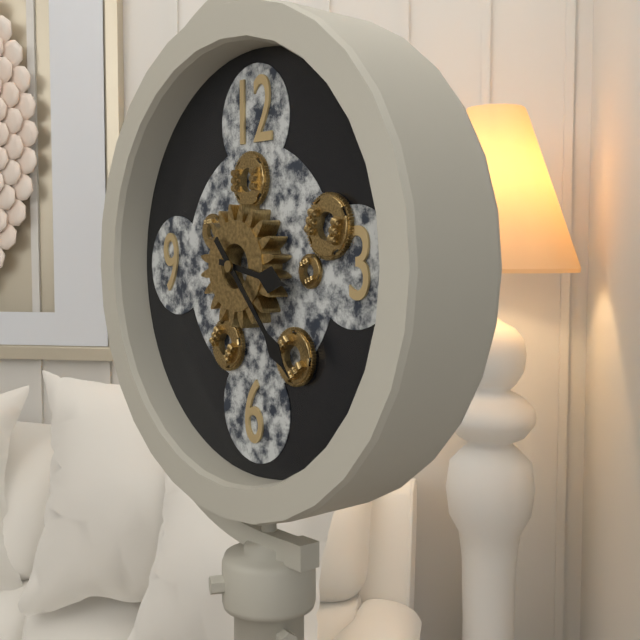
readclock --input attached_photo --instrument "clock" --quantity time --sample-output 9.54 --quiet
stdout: 3.23
